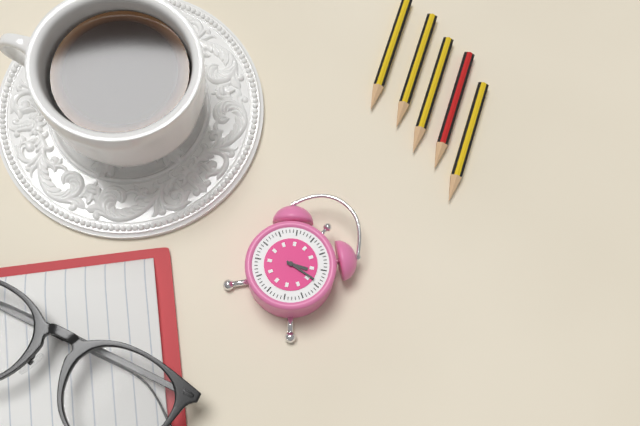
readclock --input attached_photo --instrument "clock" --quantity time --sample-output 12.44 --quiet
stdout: 2.14
